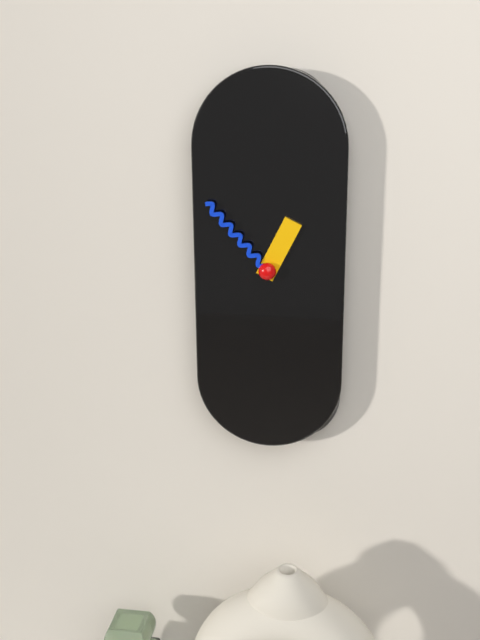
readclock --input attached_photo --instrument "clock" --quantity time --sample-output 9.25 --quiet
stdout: 12.53
